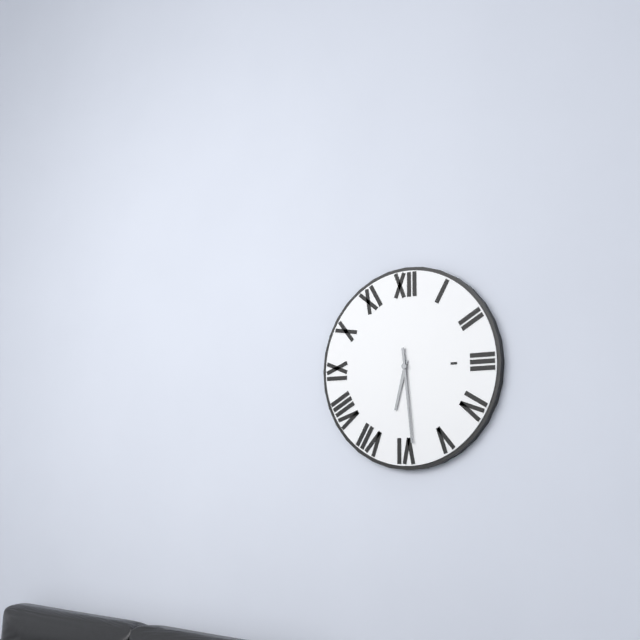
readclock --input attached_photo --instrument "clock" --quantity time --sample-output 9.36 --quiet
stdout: 6.29
